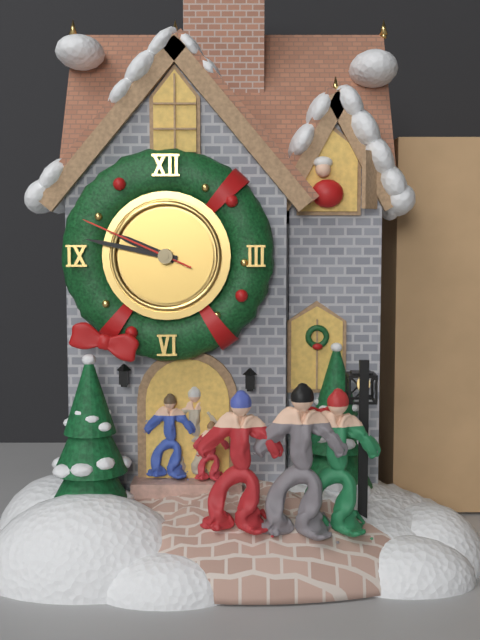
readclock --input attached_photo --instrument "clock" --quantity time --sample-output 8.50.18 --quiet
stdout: 9.47.49
